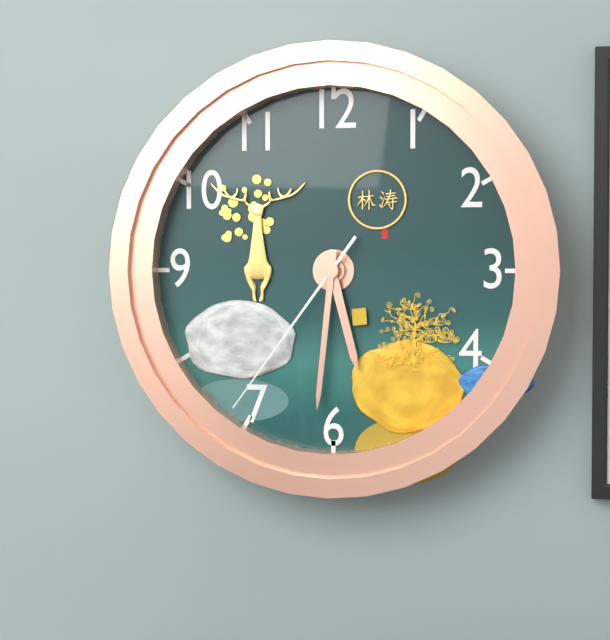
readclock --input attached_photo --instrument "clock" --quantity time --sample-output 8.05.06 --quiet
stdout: 5.31.36
